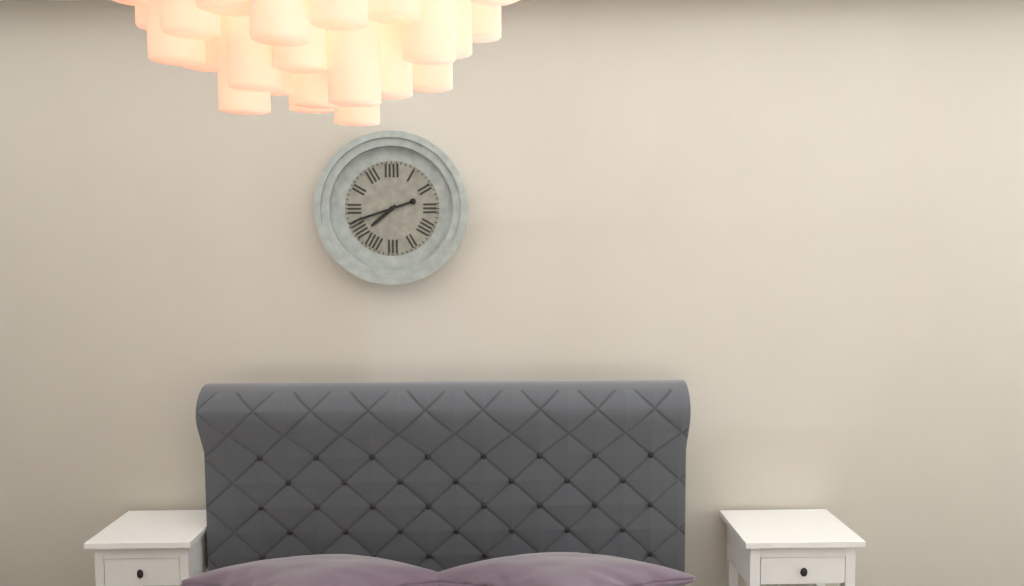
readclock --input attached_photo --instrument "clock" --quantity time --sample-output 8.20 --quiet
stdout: 7.42
